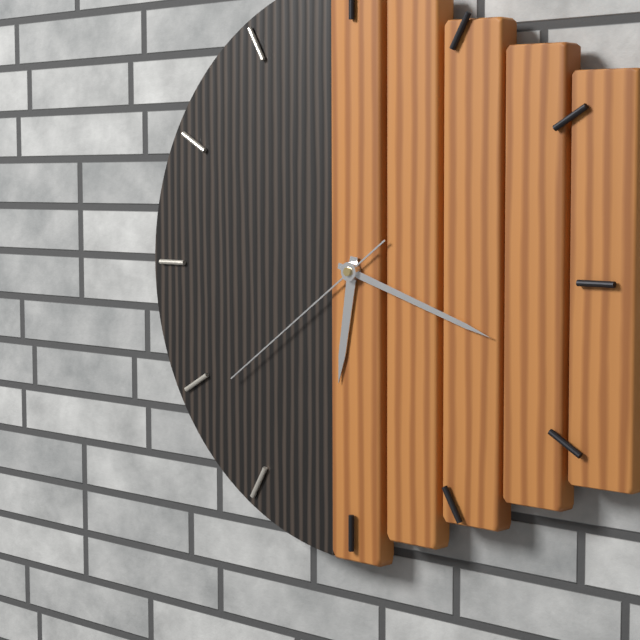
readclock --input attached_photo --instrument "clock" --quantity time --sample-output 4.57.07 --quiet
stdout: 6.18.39
